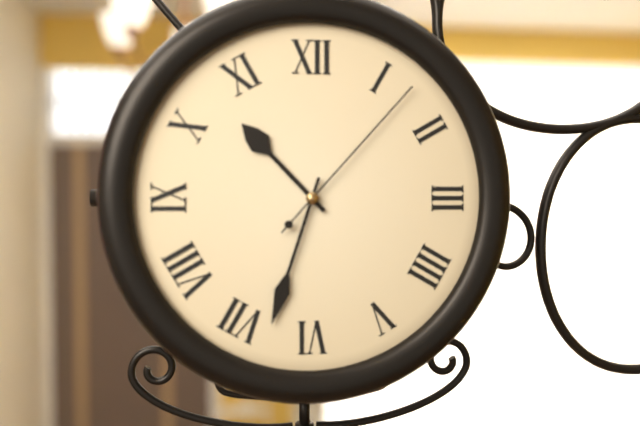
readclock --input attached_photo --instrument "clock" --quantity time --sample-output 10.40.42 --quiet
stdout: 10.33.07
